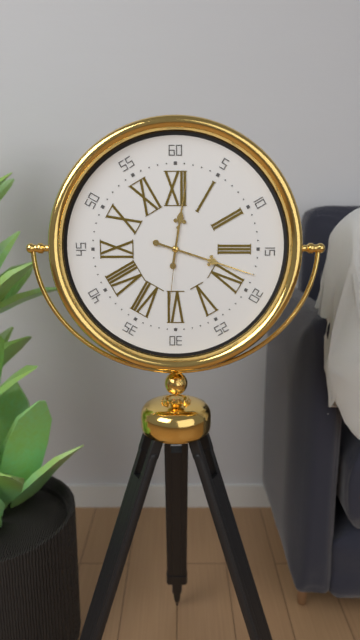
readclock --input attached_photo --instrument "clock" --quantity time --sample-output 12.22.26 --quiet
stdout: 12.18.31
